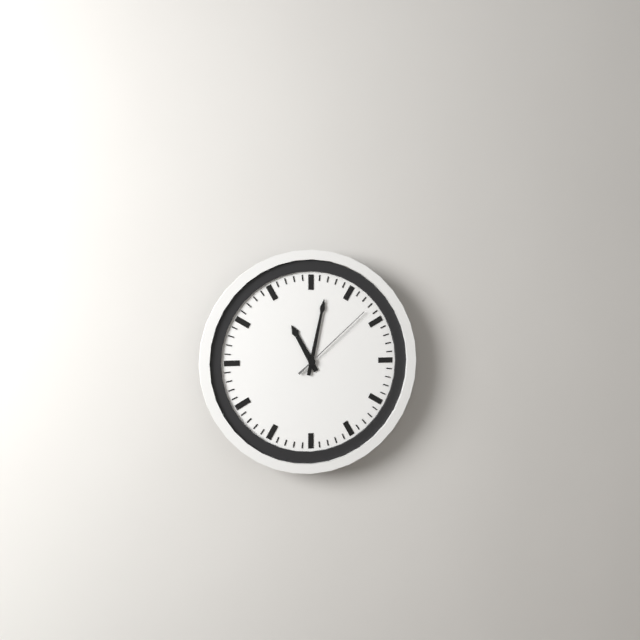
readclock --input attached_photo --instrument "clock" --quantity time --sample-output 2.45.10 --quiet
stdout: 11.02.08
